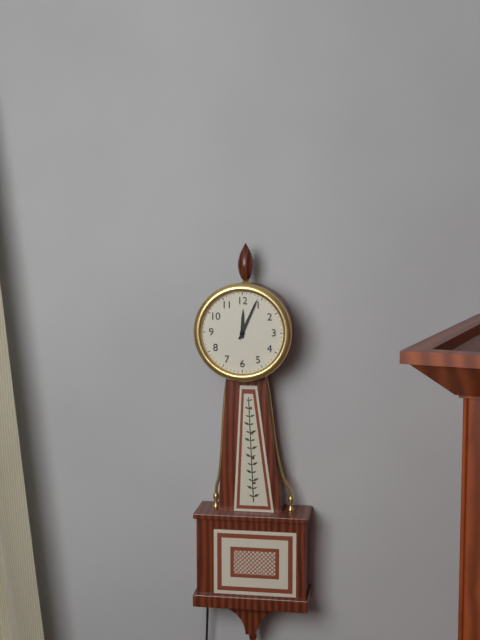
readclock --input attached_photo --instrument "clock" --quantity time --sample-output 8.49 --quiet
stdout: 12.04
